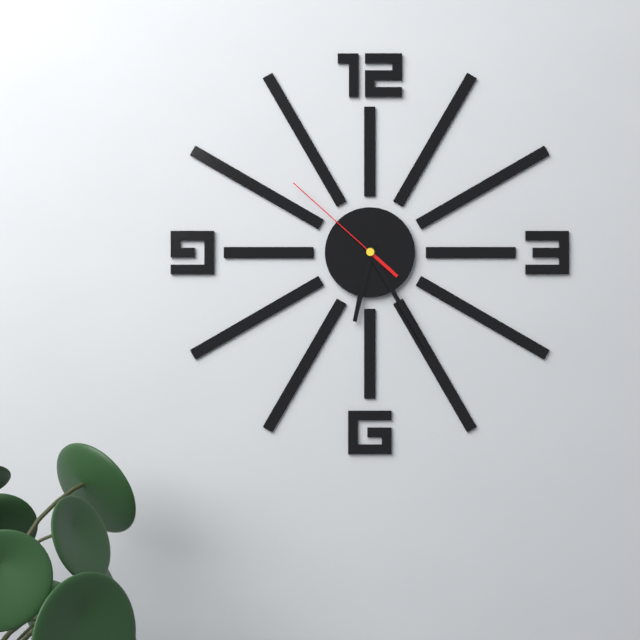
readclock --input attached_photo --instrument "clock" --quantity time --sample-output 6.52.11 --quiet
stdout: 6.25.52
